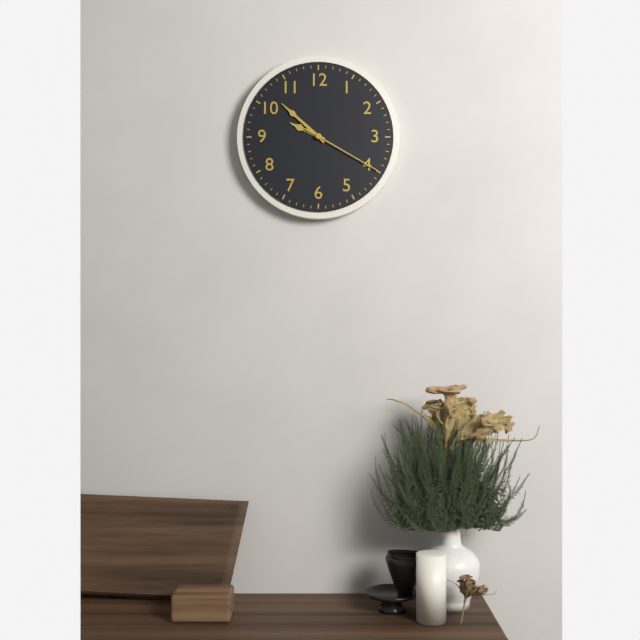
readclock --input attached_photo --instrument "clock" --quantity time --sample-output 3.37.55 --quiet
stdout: 9.52.20
